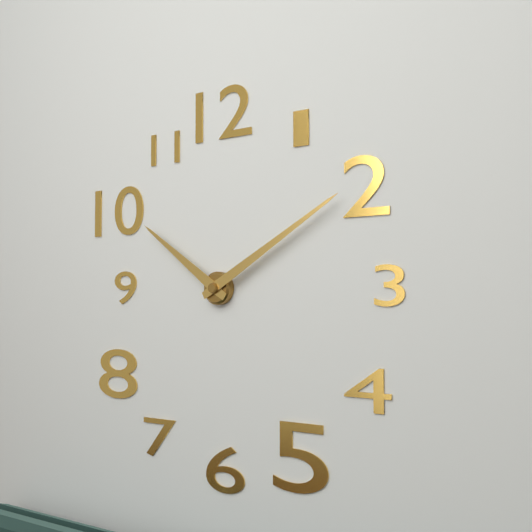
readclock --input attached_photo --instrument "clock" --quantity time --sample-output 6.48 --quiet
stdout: 10.10
